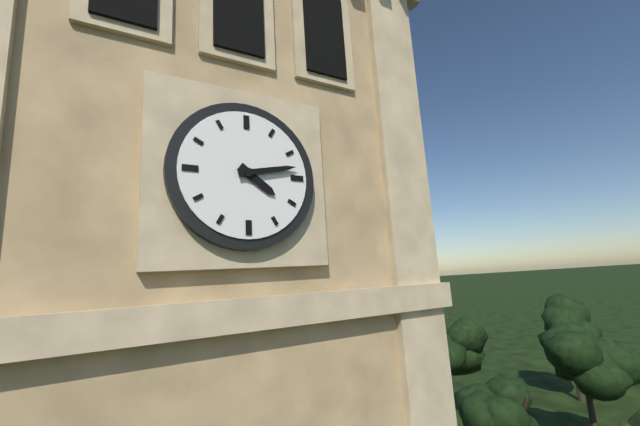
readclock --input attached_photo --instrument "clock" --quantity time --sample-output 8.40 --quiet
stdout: 4.13
